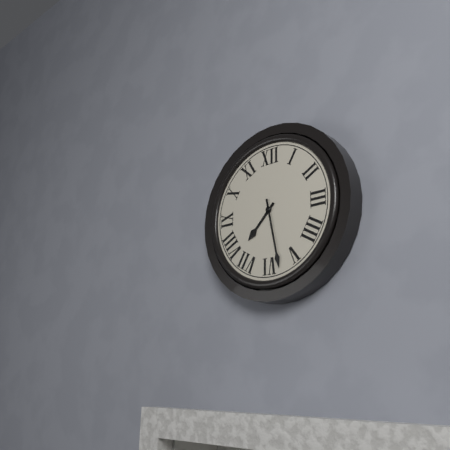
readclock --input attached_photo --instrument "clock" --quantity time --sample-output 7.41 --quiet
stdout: 7.28
